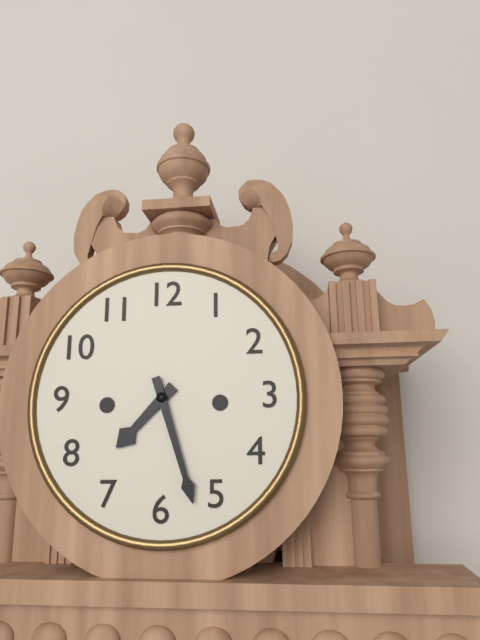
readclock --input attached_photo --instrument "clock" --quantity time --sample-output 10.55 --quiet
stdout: 7.27
